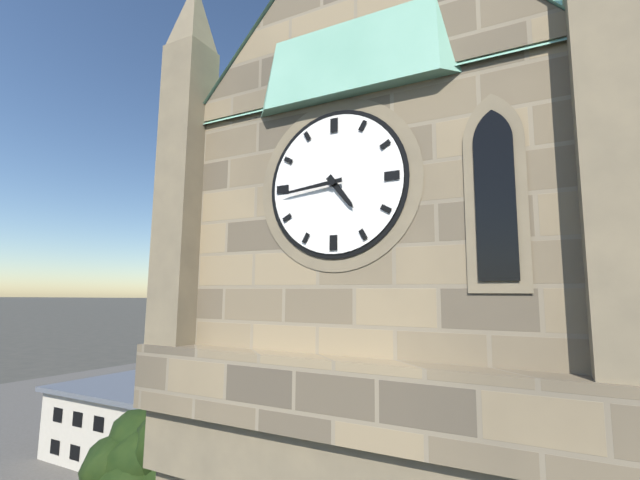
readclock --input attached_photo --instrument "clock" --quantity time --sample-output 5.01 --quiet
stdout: 4.44
